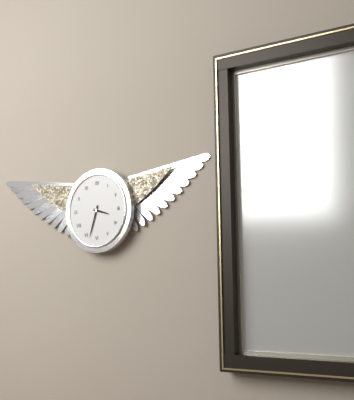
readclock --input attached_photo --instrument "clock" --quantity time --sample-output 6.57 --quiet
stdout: 3.33
